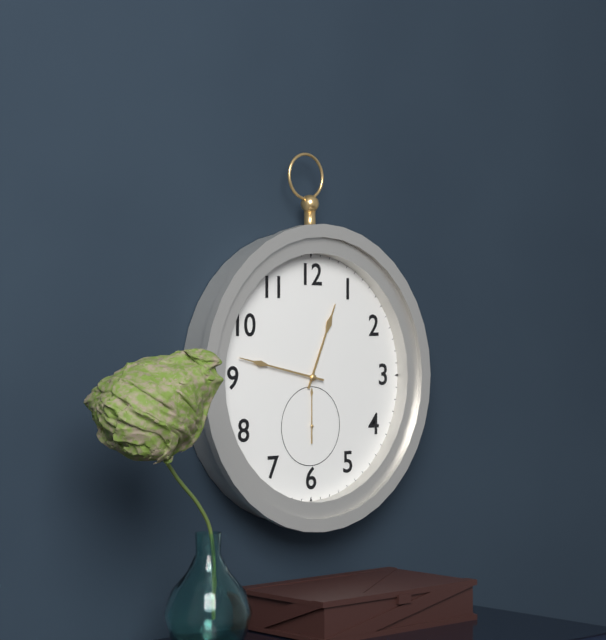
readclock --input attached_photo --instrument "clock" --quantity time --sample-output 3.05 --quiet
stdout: 12.47
